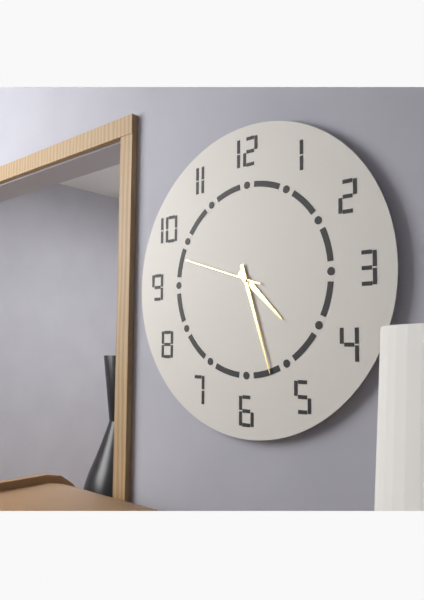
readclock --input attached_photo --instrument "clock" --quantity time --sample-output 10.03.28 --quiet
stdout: 4.27.48
